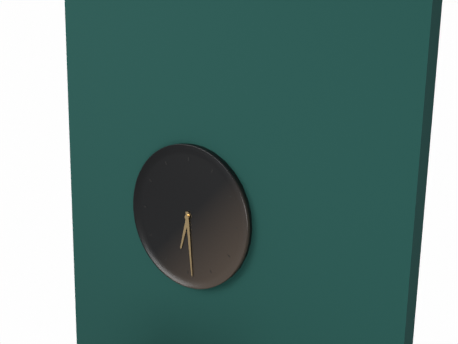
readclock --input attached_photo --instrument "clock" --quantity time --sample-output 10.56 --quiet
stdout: 6.29
